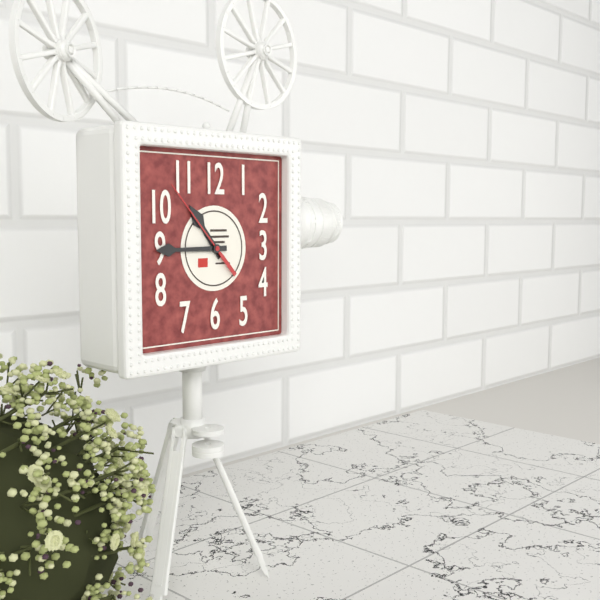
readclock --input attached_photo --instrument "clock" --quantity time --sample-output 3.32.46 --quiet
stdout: 10.45.53
